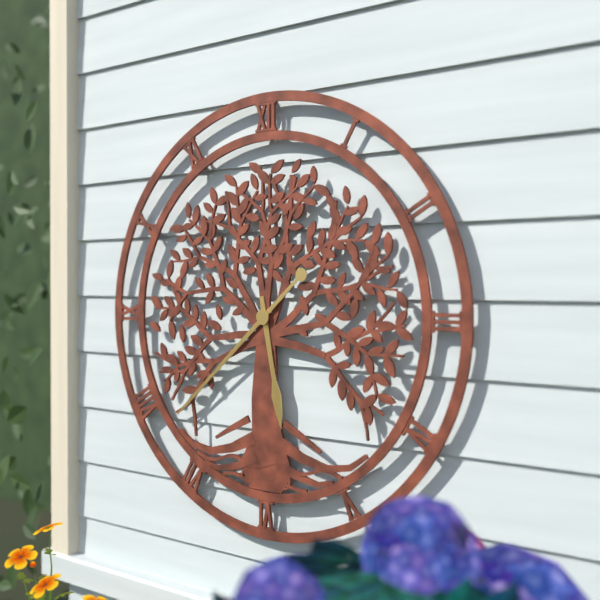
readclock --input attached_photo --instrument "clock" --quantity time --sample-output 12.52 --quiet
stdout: 5.38
